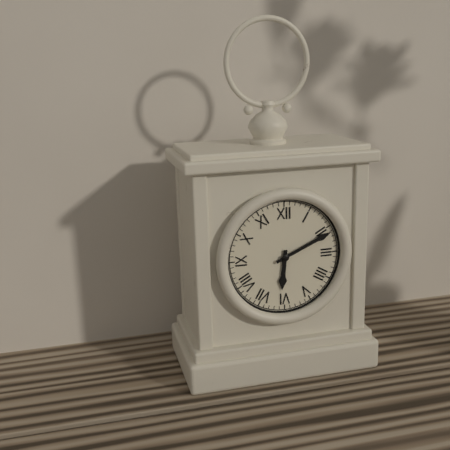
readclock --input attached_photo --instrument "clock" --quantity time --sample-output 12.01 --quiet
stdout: 6.11
